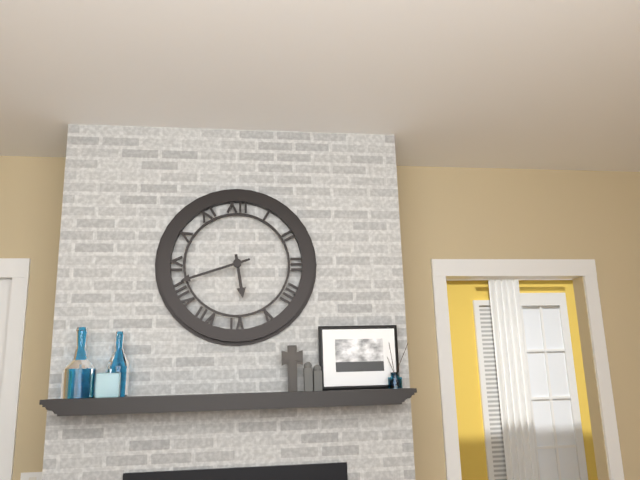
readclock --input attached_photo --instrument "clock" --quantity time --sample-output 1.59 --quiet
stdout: 5.42
